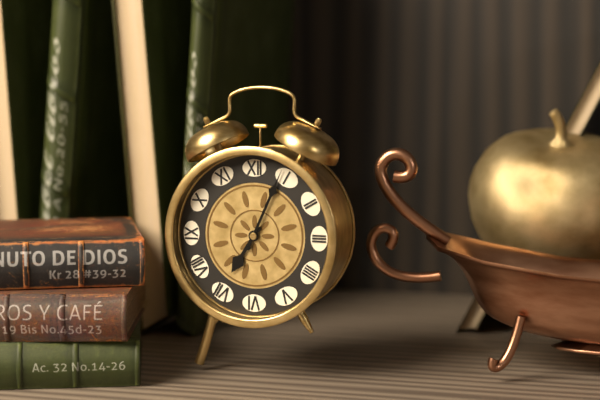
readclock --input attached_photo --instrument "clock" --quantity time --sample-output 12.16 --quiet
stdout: 7.04
